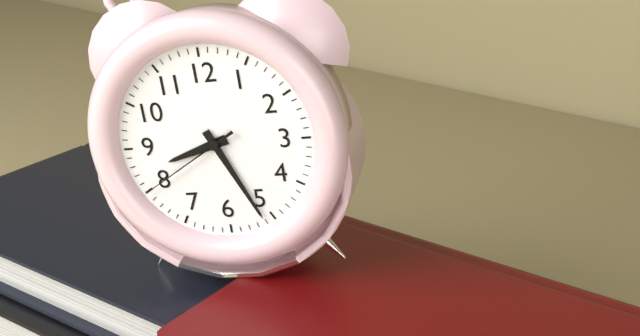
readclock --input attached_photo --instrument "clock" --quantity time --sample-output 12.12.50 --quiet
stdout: 8.26.40
